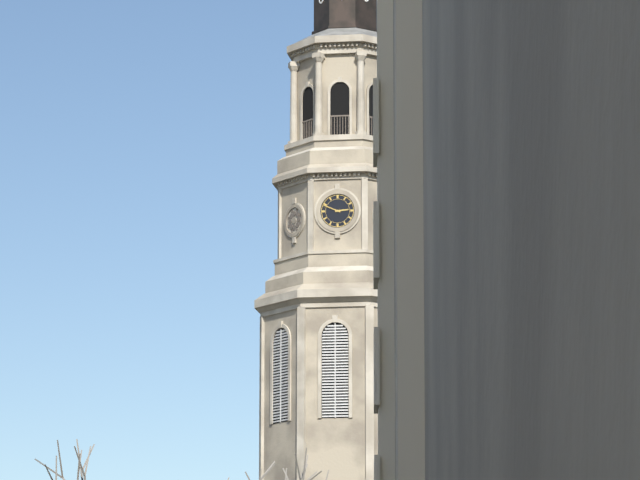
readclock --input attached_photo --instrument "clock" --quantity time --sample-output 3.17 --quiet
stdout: 2.49
